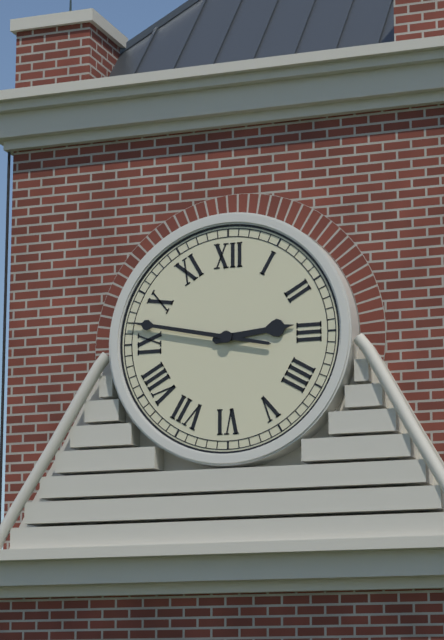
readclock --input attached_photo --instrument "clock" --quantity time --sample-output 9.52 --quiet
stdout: 2.47
